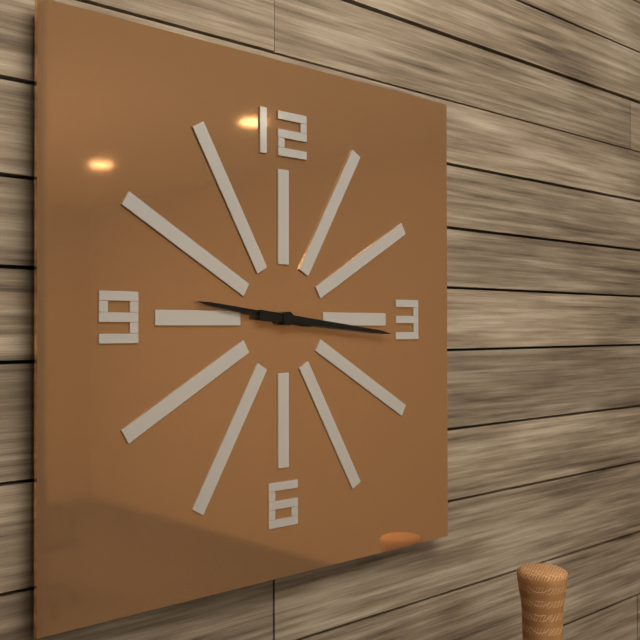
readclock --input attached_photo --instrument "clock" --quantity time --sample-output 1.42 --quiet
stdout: 9.16
